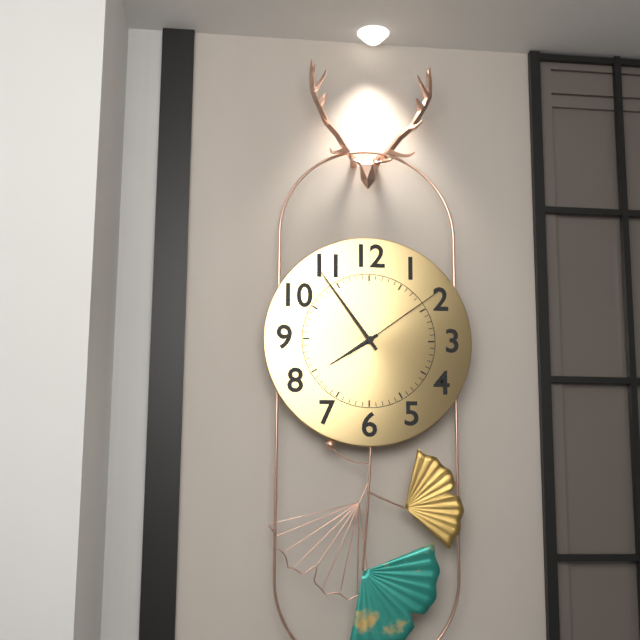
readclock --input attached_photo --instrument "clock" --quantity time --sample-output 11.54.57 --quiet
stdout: 7.54.09
